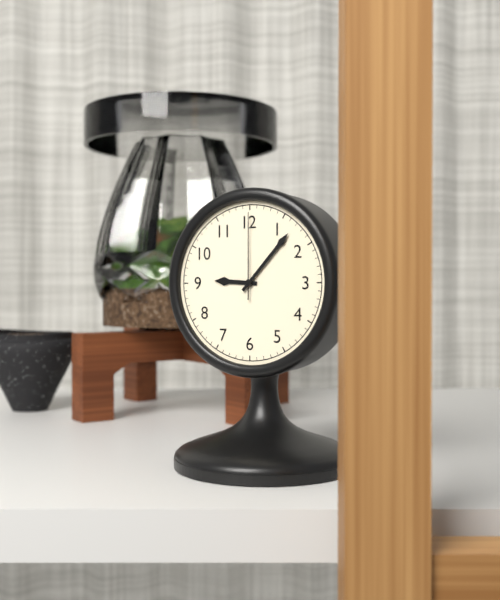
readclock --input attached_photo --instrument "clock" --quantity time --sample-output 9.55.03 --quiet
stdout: 9.07.00
